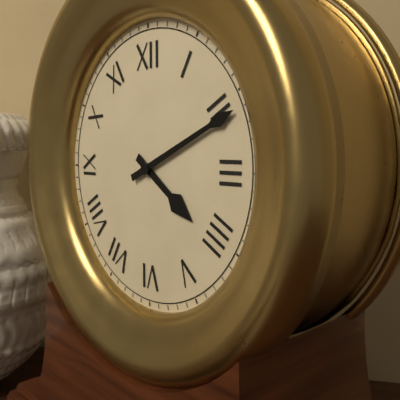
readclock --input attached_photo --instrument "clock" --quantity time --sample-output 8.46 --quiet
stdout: 4.11
